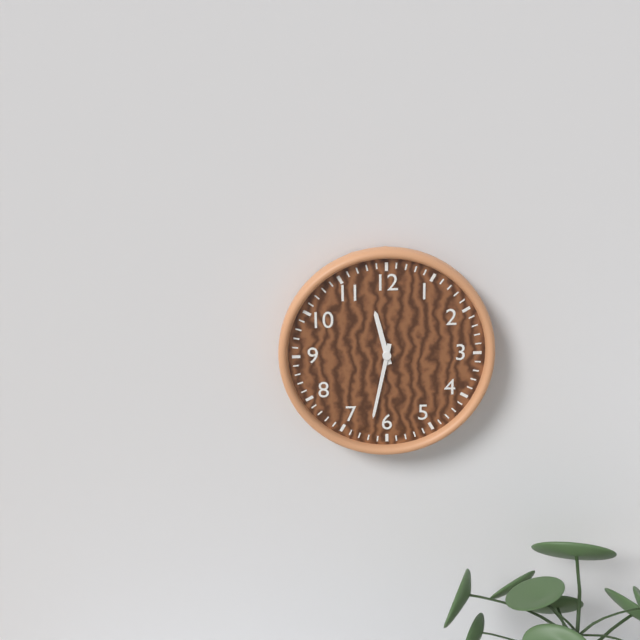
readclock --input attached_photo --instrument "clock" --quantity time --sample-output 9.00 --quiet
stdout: 11.32
